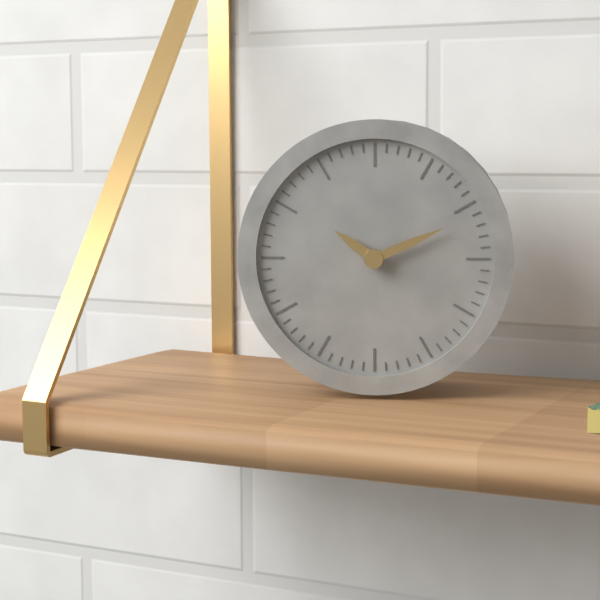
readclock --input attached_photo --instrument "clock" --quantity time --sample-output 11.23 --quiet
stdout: 10.11
